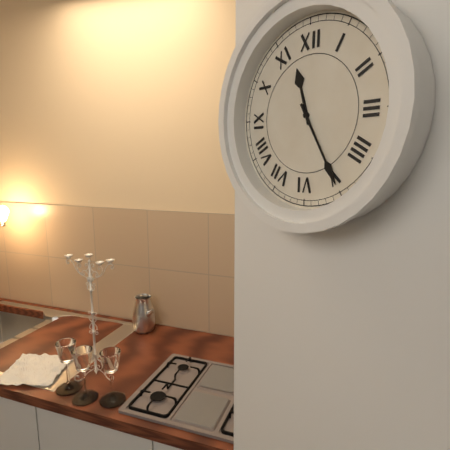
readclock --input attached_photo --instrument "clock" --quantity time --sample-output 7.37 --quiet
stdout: 11.25
